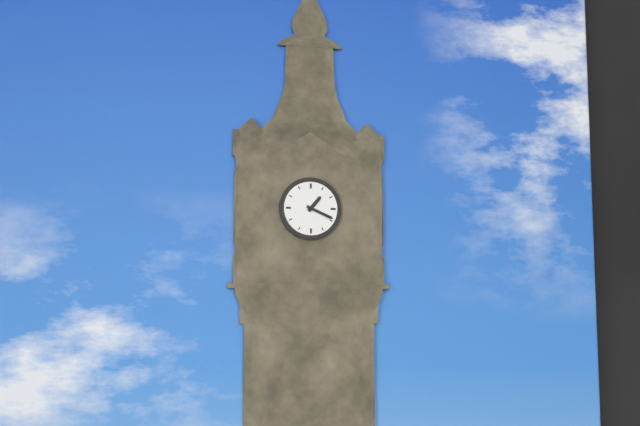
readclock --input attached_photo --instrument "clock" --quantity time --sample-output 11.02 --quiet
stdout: 1.19
